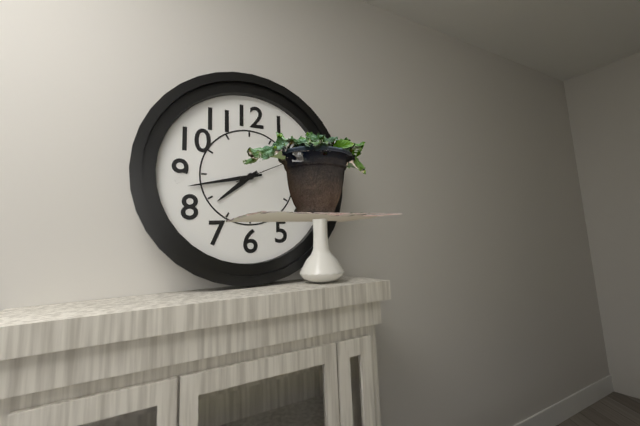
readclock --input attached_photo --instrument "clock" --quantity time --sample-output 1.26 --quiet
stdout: 7.43
